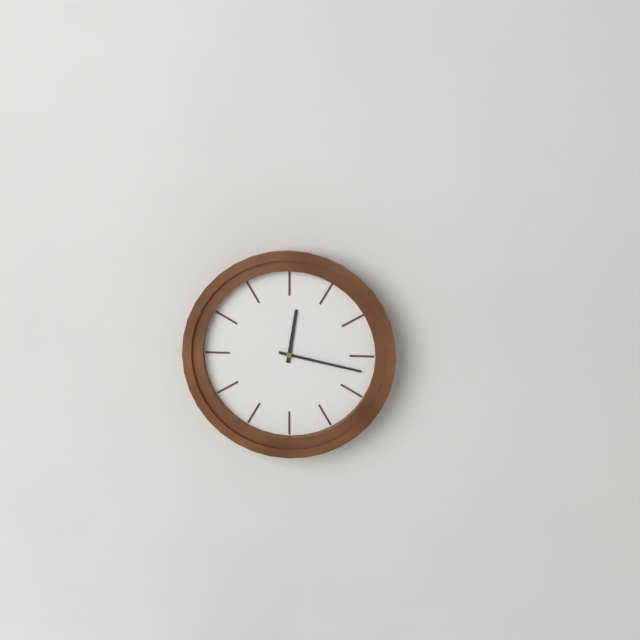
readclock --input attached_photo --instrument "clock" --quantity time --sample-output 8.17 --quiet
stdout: 12.17
